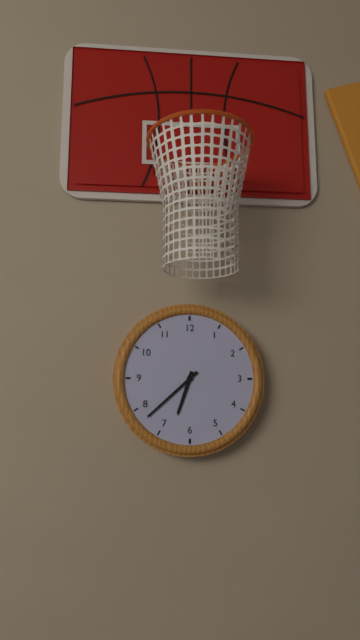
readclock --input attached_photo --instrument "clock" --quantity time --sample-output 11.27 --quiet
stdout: 6.38
